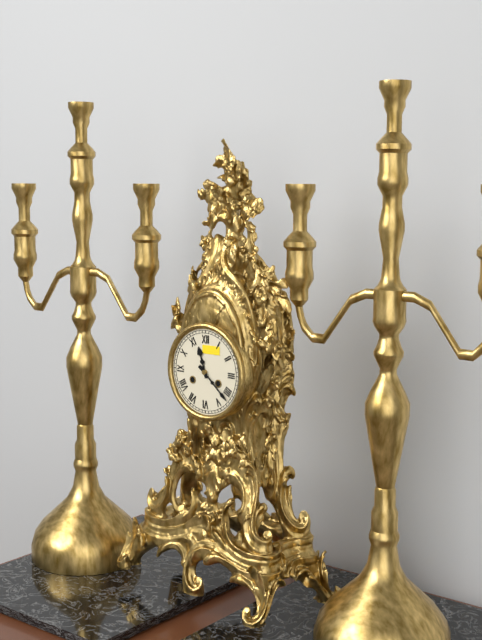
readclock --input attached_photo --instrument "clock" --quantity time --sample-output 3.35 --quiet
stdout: 11.22
